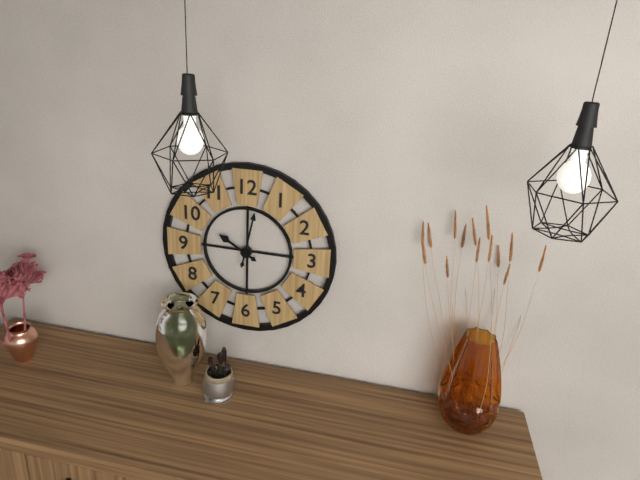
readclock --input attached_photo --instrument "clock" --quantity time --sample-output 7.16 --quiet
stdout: 10.02
